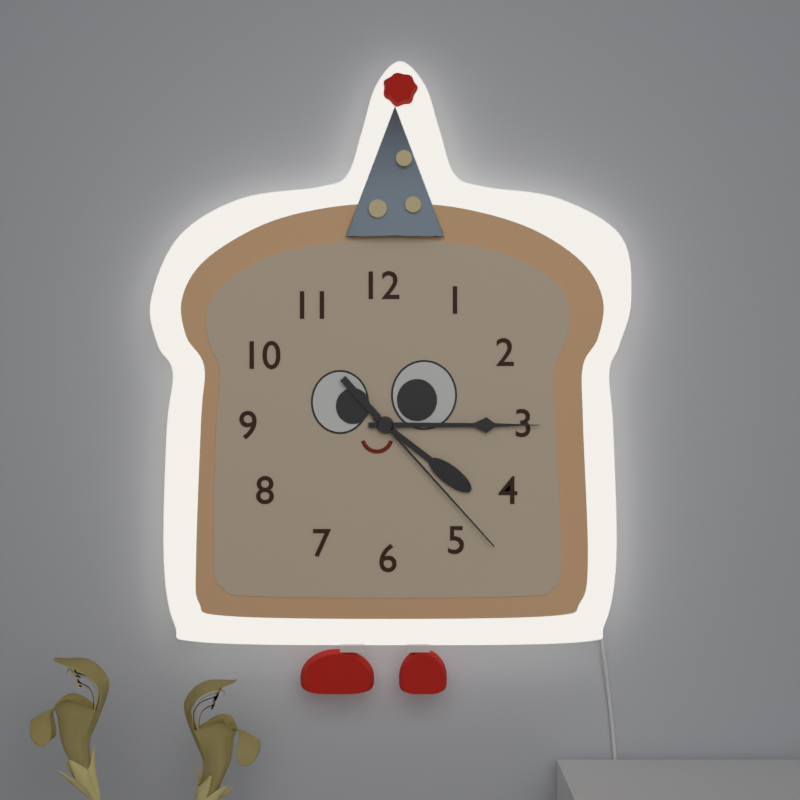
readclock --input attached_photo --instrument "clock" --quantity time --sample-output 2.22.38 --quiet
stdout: 4.15.23
